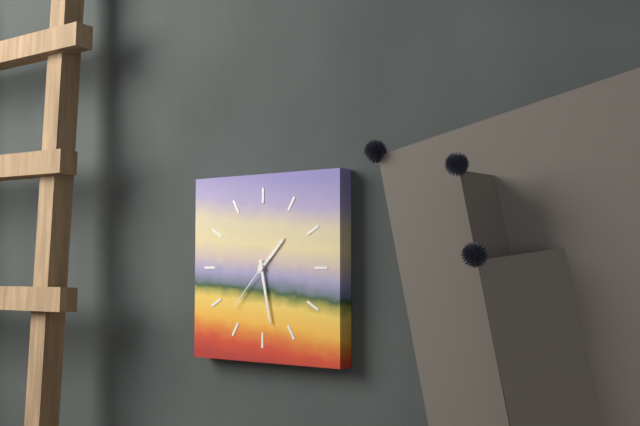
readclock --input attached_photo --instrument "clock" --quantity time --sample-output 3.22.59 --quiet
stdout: 1.28.37
